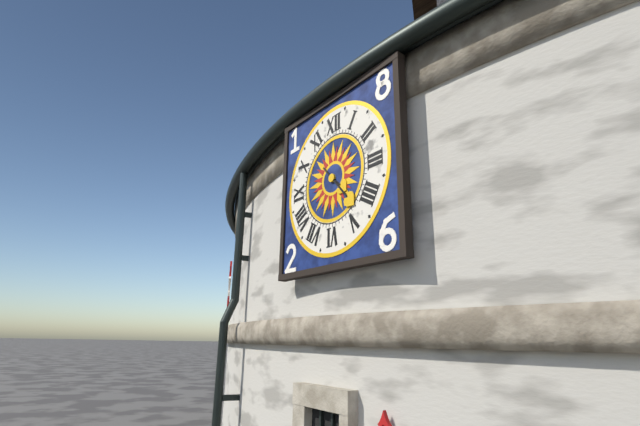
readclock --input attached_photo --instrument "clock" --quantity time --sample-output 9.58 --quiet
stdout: 4.23
